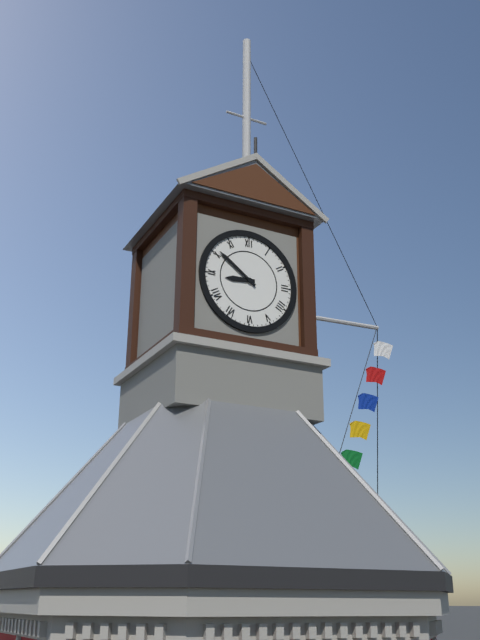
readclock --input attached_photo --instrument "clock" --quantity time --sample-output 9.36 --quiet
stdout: 8.51
